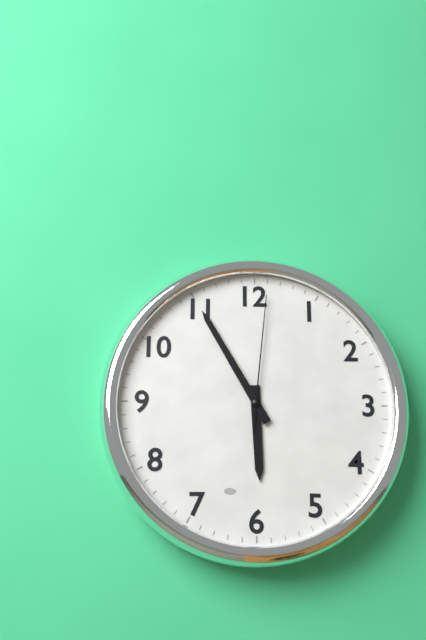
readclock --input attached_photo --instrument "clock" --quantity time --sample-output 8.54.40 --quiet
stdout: 5.55.01
